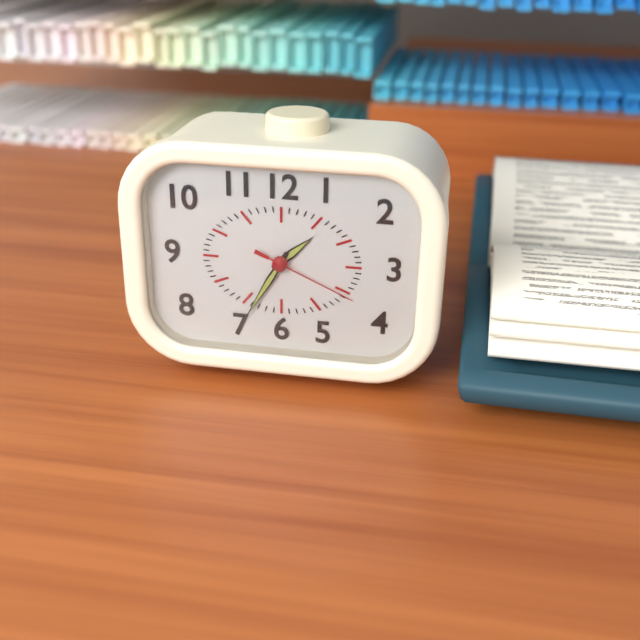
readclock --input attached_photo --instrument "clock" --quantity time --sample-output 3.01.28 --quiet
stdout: 1.35.19
